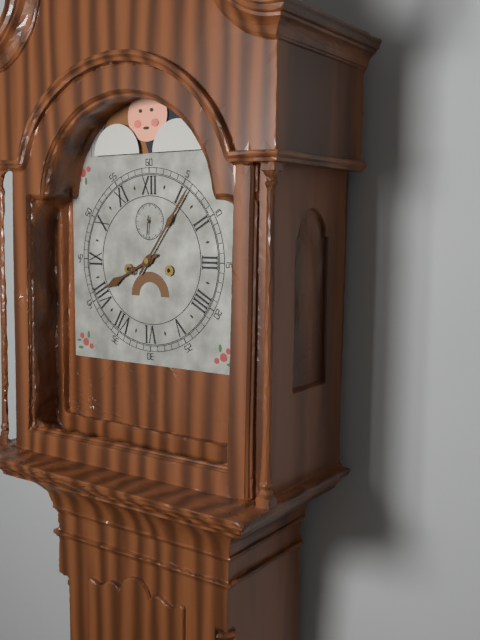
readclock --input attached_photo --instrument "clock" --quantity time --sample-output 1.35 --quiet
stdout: 8.06
